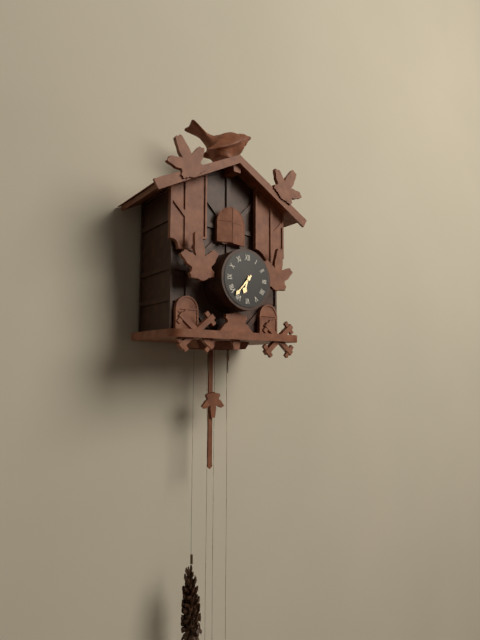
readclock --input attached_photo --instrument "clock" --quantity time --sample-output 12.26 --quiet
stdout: 6.37
